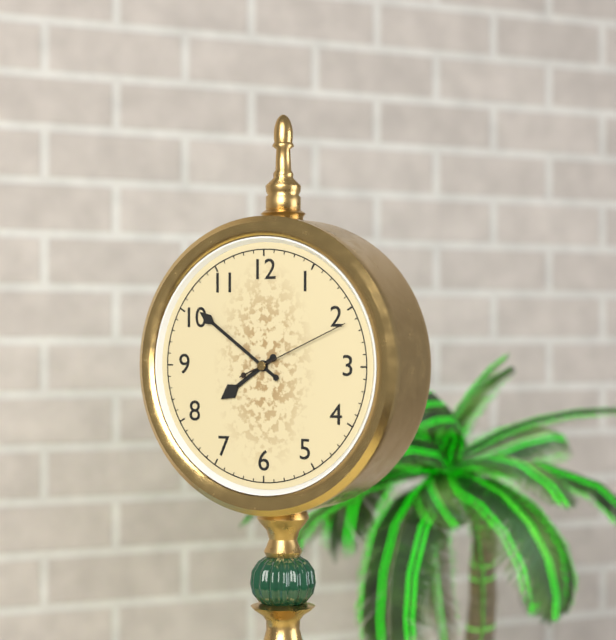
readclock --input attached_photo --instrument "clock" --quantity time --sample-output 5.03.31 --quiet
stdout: 7.51.11
